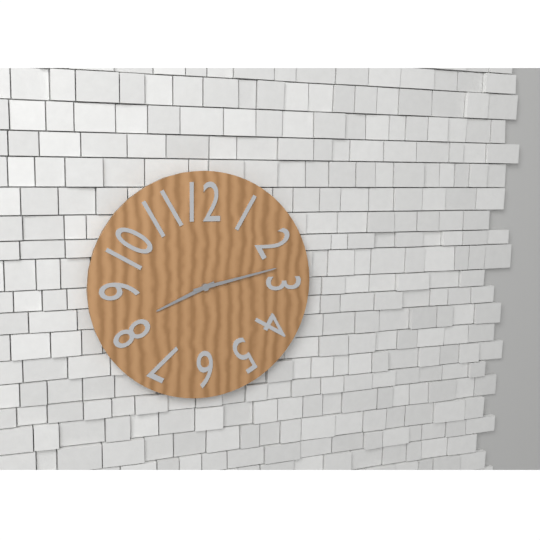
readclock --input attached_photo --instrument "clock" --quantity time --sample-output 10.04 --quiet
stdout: 8.13
